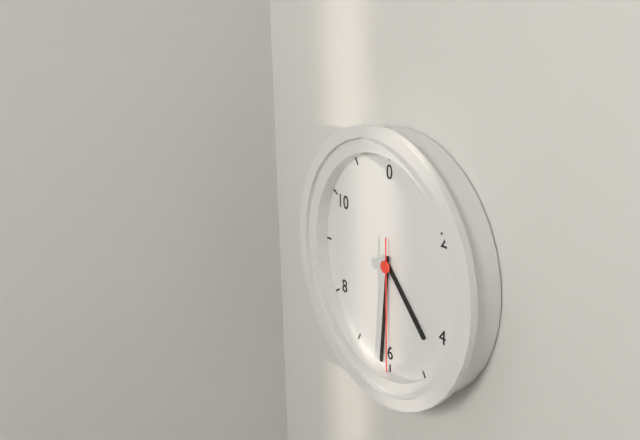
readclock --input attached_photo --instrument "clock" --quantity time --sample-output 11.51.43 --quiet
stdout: 4.31.30
